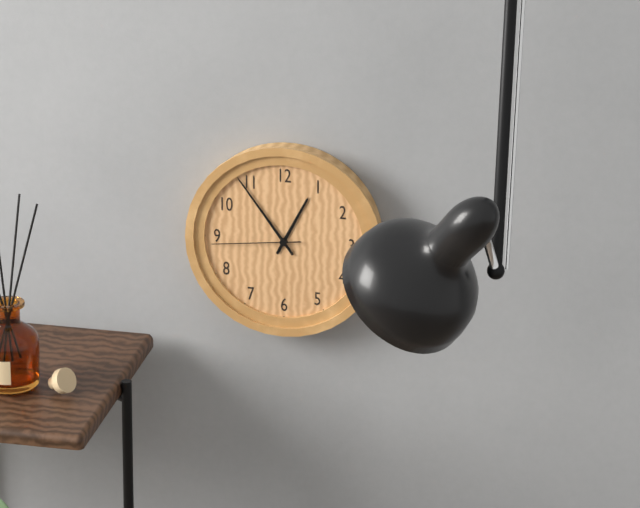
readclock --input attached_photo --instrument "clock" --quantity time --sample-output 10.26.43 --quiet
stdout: 12.54.44
